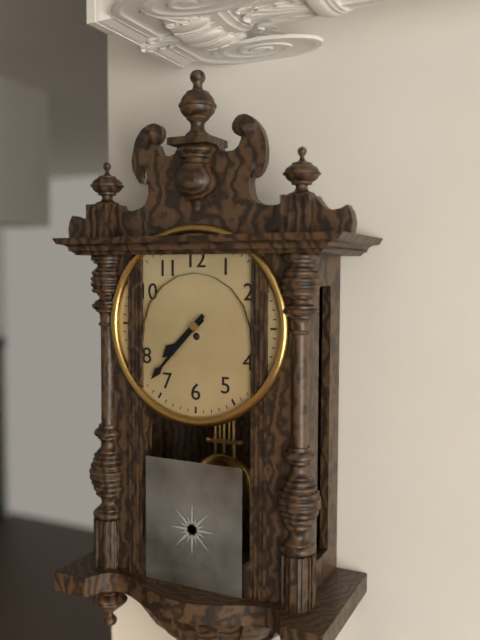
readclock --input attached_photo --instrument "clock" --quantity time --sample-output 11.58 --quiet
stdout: 7.37
